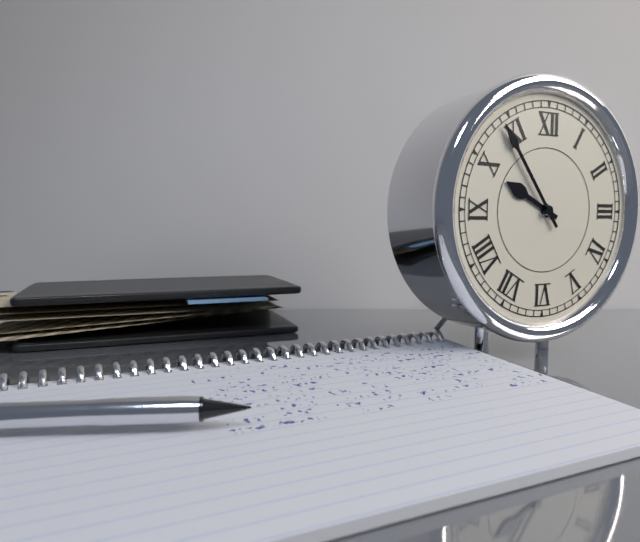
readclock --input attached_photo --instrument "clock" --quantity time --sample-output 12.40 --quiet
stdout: 9.54
